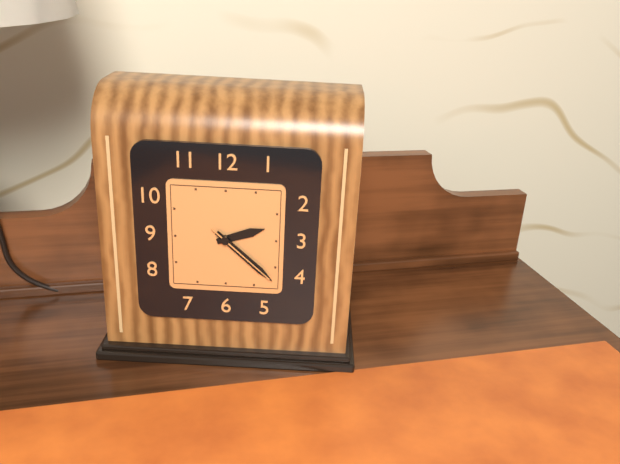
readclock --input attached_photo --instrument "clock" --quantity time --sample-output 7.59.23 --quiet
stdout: 2.22.22
